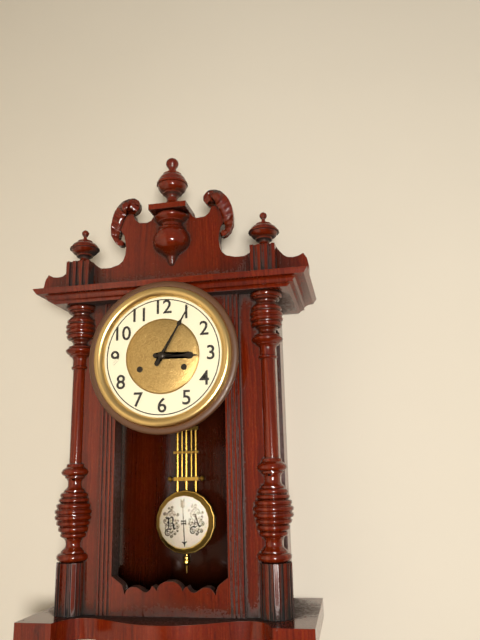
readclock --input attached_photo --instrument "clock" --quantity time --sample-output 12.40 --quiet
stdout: 3.05
